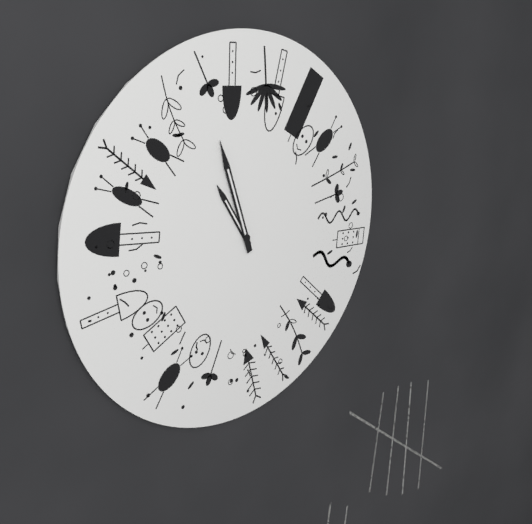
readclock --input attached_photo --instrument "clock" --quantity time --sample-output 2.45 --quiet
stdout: 10.57
